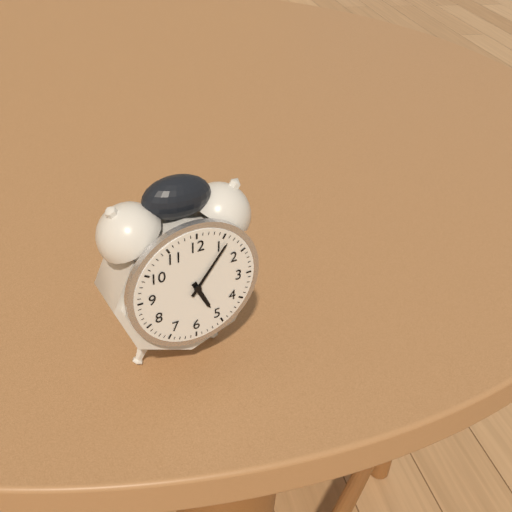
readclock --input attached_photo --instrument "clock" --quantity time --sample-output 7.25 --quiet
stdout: 5.06
